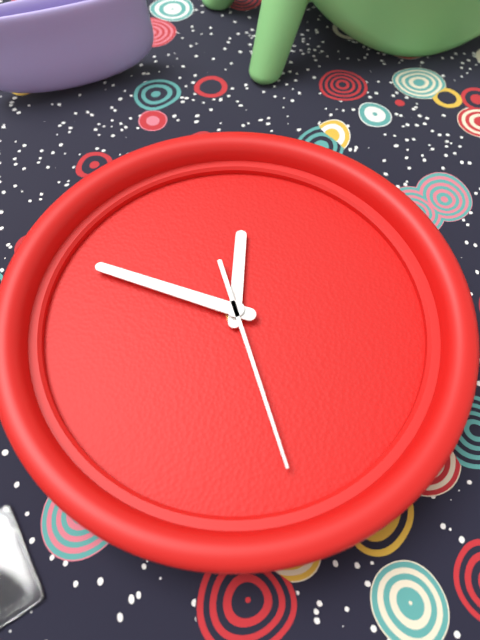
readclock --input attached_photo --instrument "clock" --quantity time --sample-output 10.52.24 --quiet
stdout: 12.52.31
